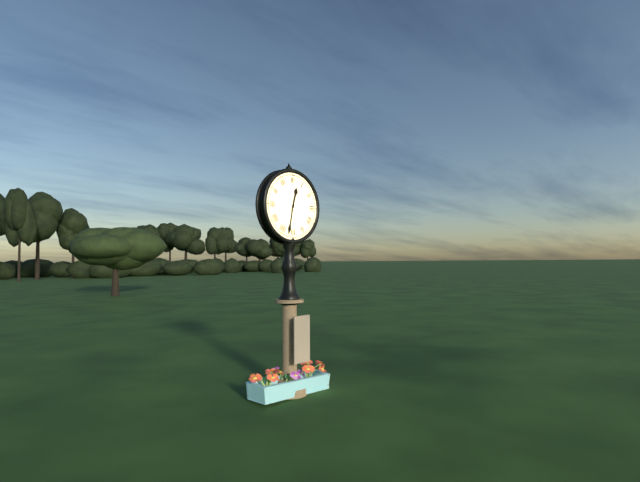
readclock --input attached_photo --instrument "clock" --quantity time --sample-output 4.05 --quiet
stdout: 12.32
